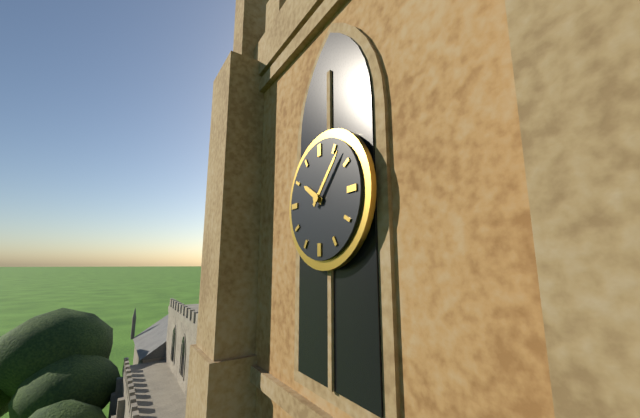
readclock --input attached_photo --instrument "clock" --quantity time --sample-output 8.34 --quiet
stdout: 10.07
